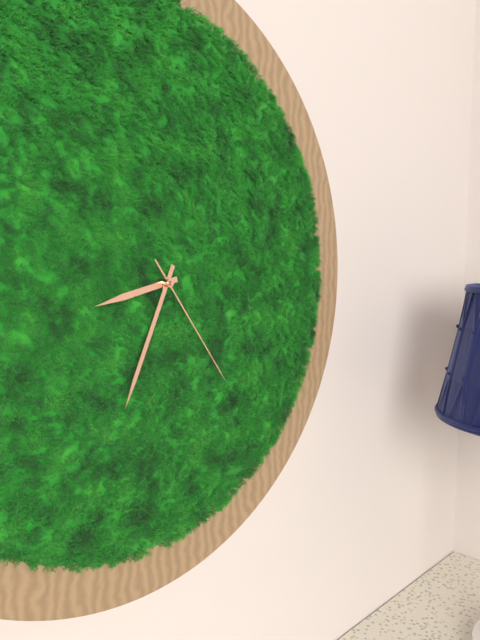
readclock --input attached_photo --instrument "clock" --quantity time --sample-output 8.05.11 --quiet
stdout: 8.34.24
